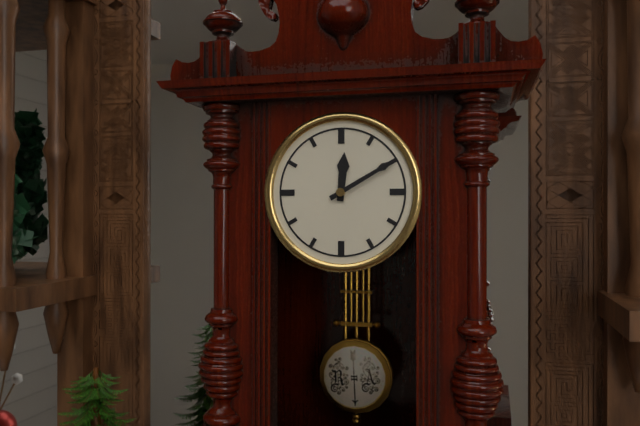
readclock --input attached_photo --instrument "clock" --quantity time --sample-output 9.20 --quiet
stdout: 12.10
